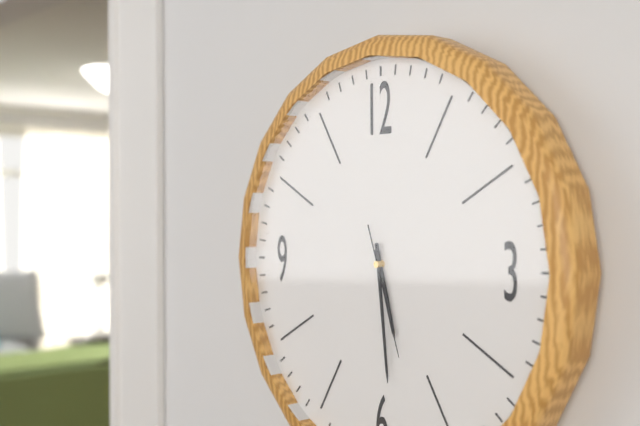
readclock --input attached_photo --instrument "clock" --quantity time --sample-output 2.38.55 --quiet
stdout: 5.29.27
